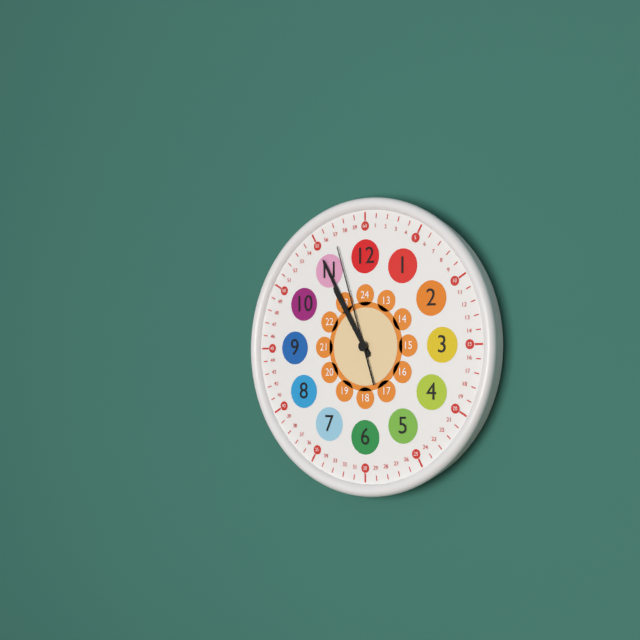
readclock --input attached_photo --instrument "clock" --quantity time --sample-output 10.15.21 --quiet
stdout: 10.55.57
